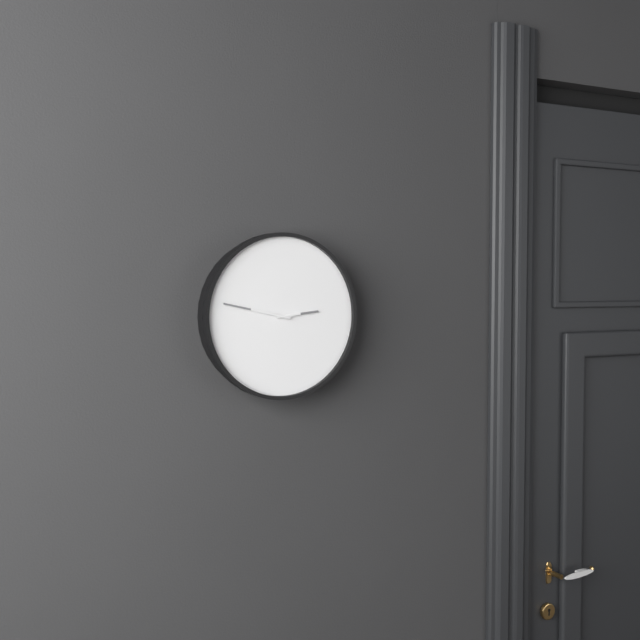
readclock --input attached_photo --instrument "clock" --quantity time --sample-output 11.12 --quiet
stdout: 2.47
